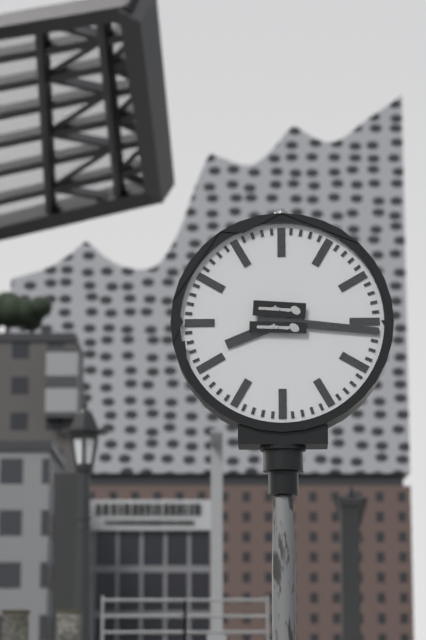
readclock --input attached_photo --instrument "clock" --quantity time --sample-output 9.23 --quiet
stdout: 8.16
